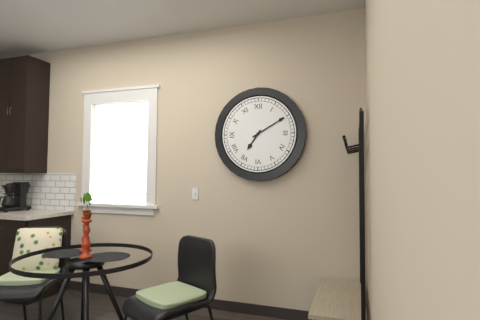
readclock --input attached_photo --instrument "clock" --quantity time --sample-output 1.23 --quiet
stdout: 7.10
